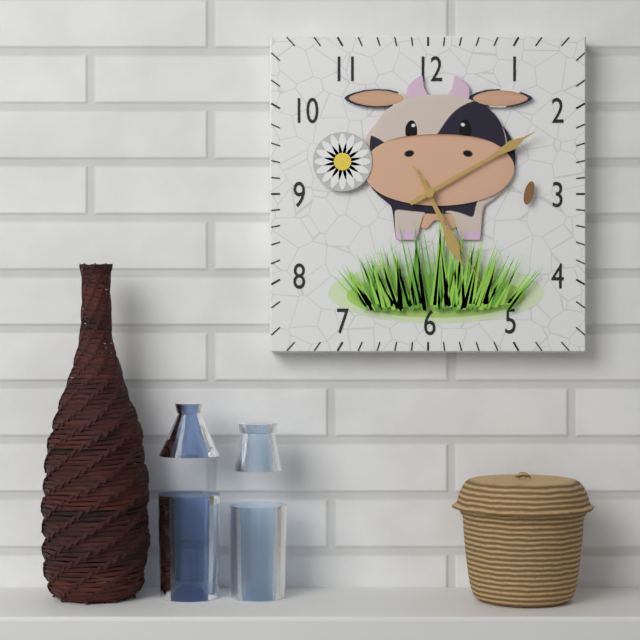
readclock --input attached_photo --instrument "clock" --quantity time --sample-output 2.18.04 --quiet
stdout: 5.10.25
